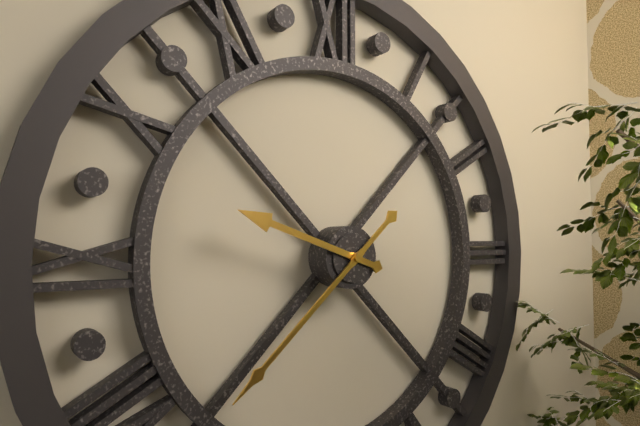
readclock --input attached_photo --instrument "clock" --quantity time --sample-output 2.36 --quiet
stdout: 9.38
